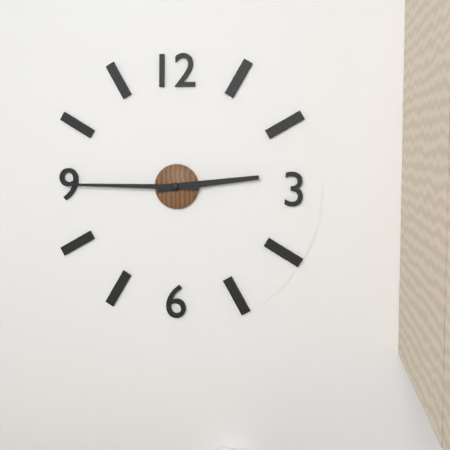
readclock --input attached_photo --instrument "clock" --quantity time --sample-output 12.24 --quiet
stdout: 2.45
